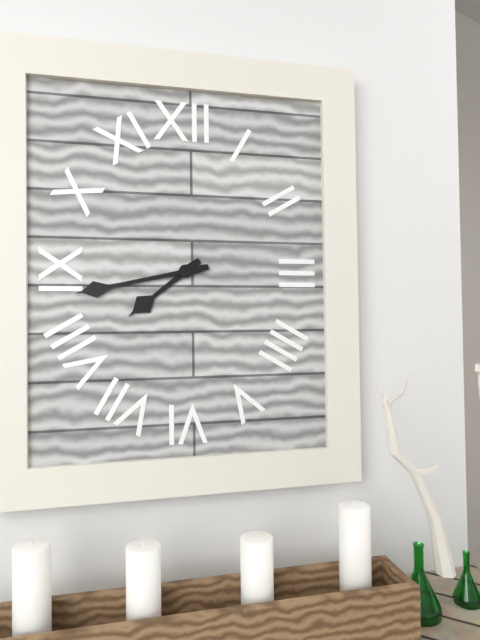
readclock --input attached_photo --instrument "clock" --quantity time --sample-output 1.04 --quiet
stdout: 7.43
